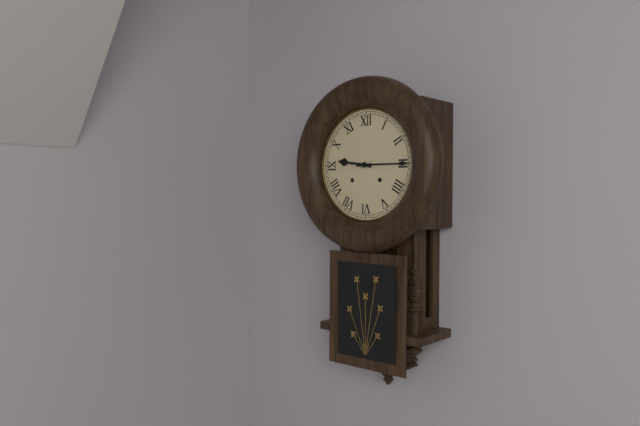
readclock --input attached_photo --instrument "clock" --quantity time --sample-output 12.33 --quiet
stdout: 9.15
